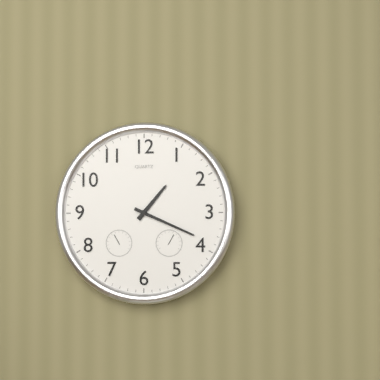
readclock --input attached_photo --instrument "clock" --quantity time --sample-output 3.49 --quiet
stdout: 1.19
